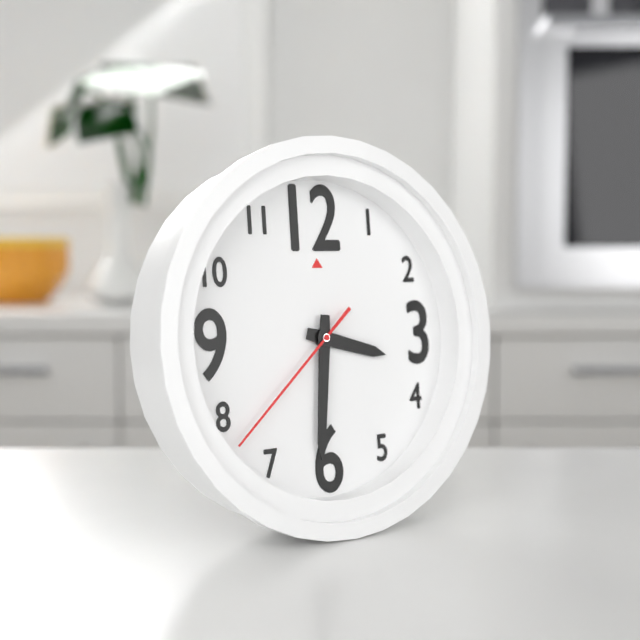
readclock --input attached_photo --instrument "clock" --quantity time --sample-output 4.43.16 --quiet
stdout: 3.31.38
